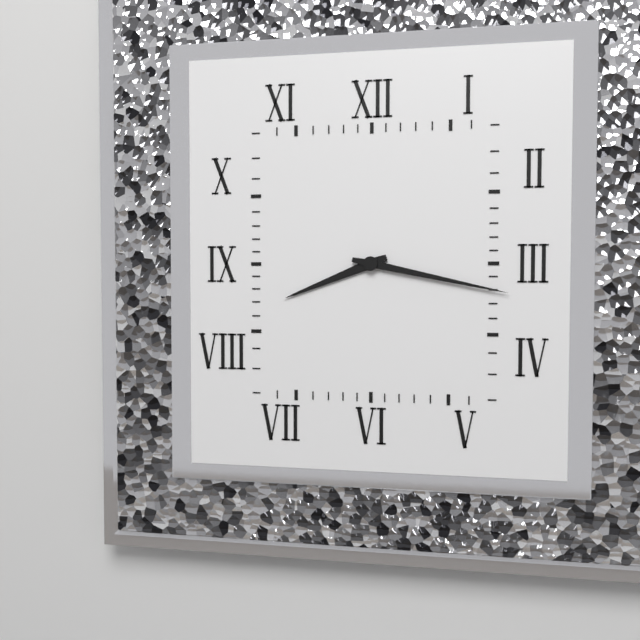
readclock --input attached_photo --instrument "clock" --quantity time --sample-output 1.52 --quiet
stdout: 8.17
